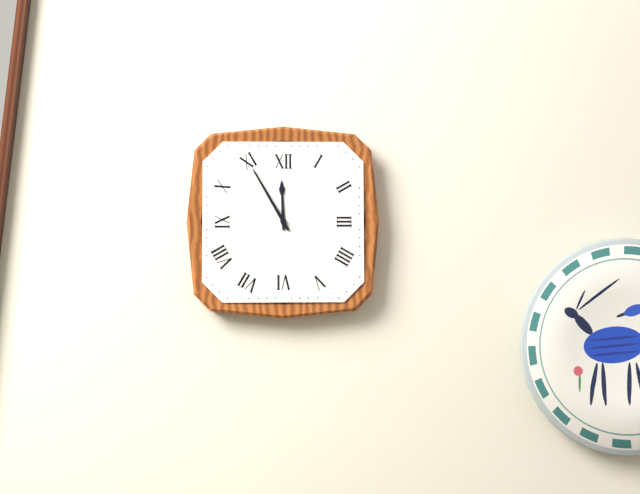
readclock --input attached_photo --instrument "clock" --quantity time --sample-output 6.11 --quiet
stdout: 11.55
